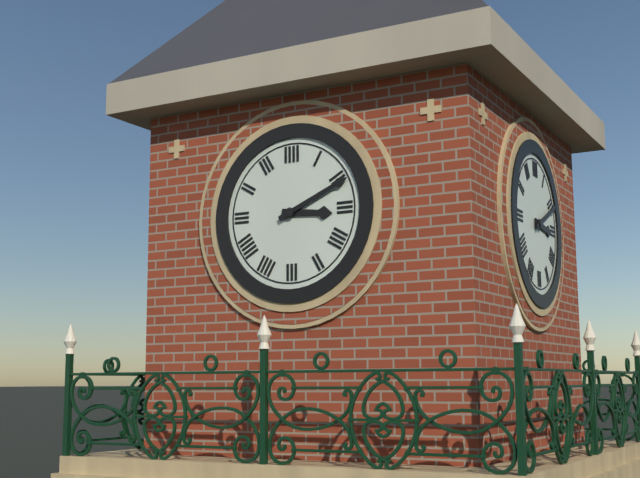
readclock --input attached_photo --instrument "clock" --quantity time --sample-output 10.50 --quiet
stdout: 3.11
